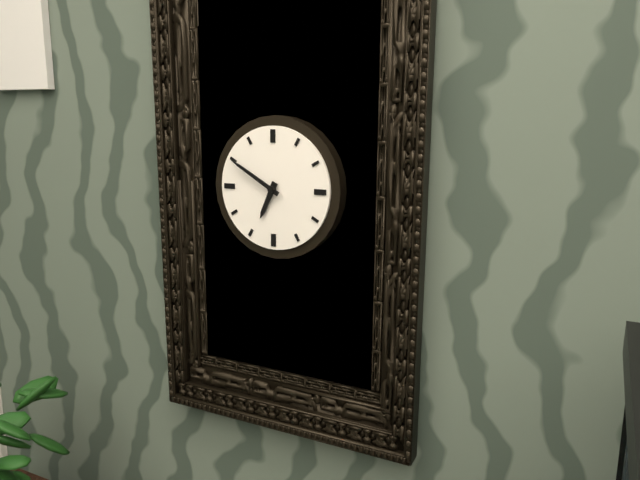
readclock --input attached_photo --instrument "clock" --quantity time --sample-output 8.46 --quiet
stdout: 6.50
